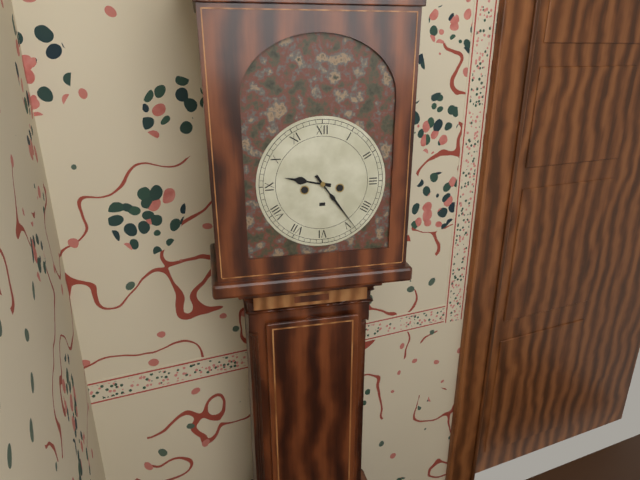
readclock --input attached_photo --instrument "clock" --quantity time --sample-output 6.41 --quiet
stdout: 9.24
